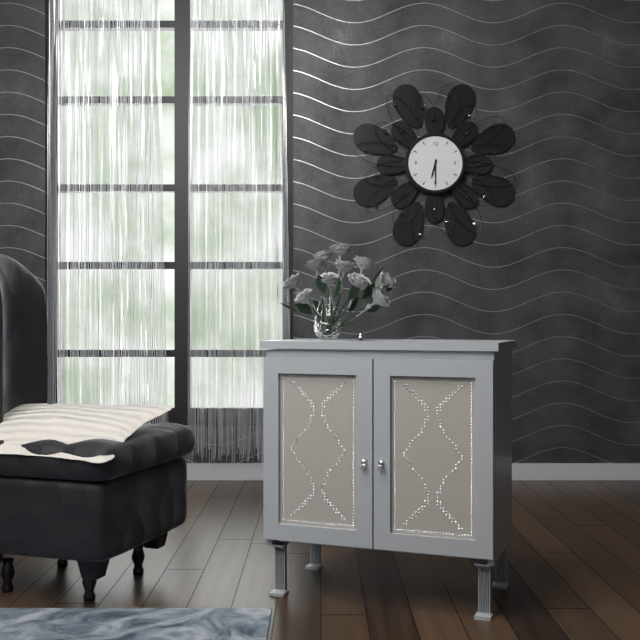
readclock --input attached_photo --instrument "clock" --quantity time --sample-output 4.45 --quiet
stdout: 6.30
